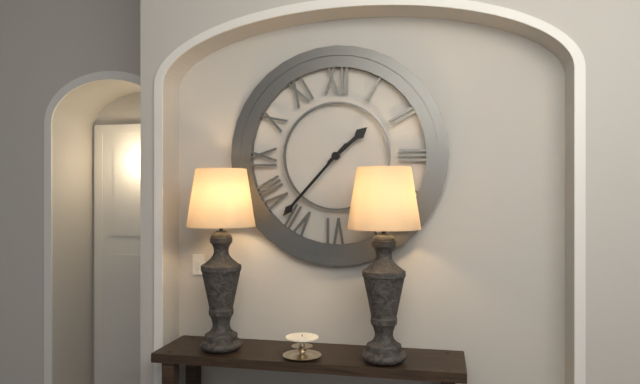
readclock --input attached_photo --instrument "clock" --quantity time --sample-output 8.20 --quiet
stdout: 1.37
